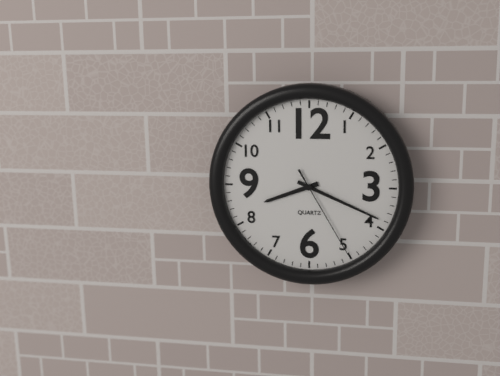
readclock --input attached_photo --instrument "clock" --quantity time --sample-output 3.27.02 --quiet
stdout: 8.19.25
